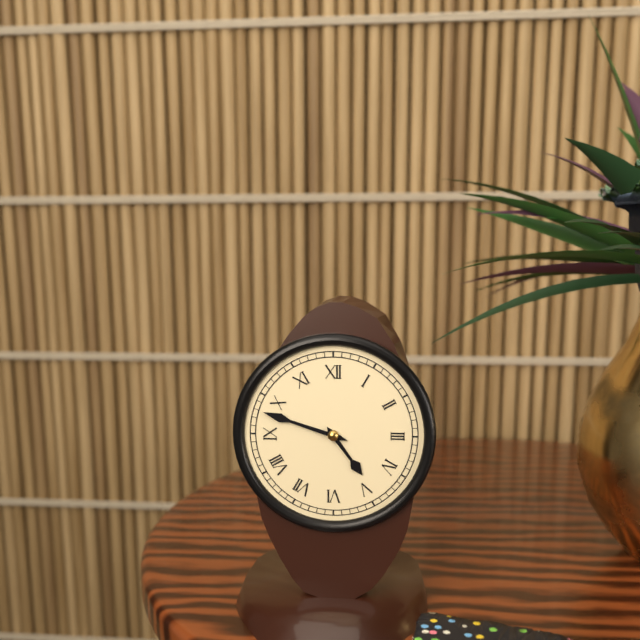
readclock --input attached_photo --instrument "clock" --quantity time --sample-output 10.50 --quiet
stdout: 4.48
